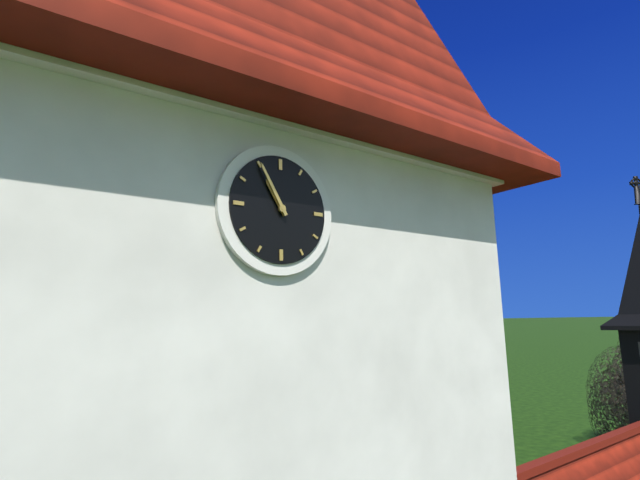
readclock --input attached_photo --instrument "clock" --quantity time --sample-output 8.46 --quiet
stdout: 10.55
